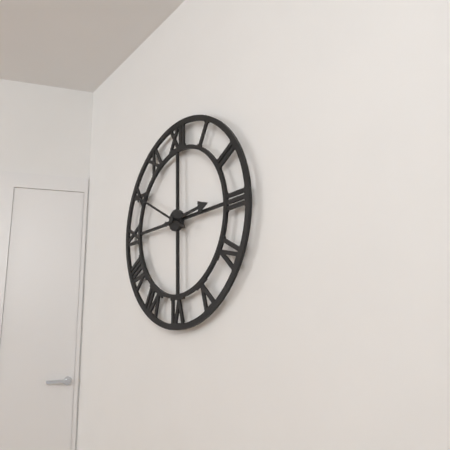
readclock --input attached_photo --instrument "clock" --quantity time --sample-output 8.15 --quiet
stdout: 2.50
